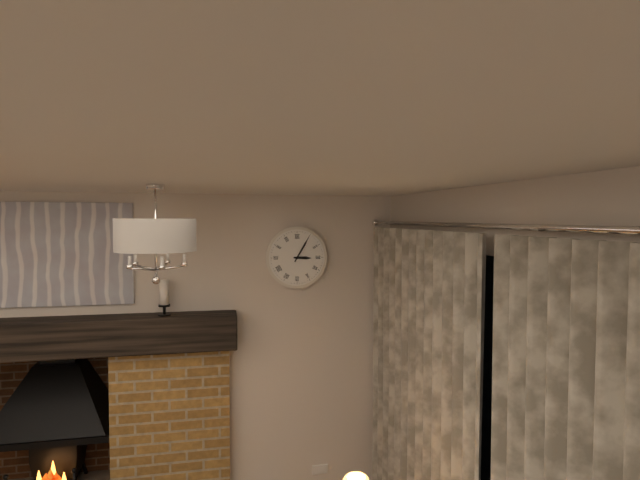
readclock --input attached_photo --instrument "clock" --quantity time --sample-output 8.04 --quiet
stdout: 3.05
